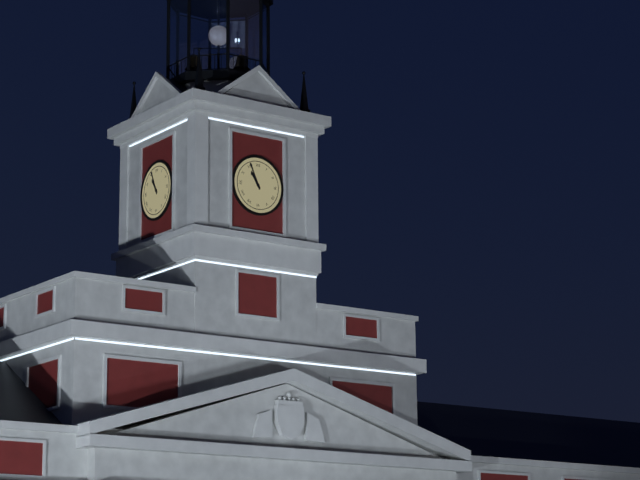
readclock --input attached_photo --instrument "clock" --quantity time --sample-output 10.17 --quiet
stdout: 10.56
